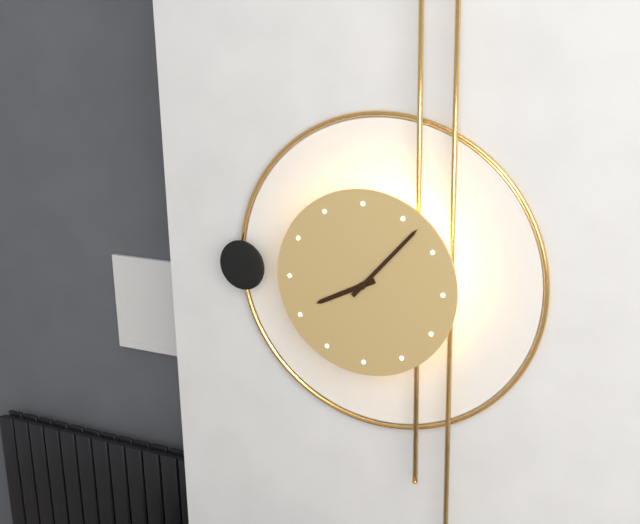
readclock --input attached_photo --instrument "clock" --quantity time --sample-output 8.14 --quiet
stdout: 8.07
